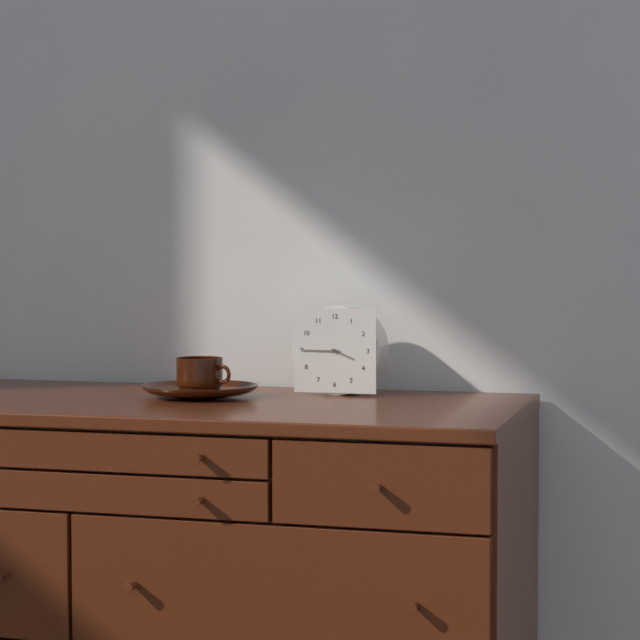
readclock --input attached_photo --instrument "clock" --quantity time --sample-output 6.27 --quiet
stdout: 3.45
